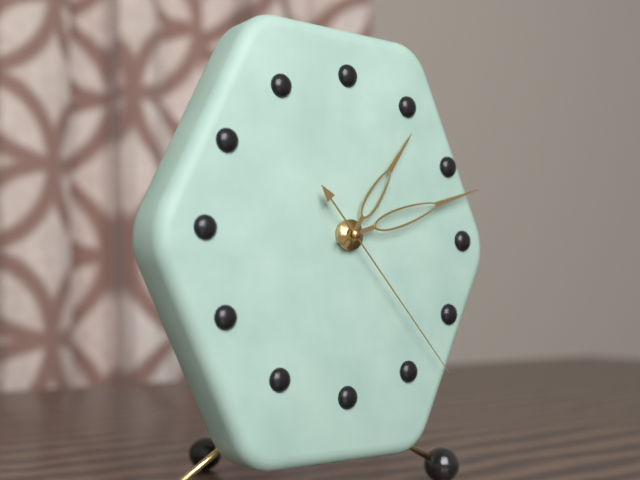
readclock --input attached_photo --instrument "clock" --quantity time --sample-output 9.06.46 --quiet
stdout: 1.12.23
